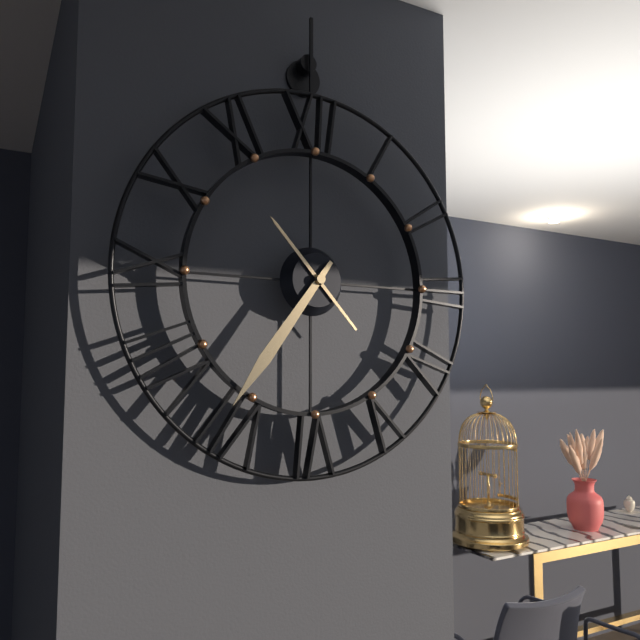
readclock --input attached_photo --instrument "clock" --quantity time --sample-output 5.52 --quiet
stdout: 10.36
